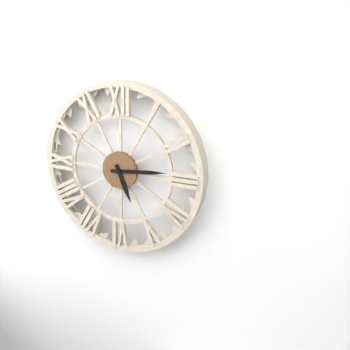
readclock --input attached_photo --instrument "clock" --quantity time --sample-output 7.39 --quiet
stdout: 5.14
